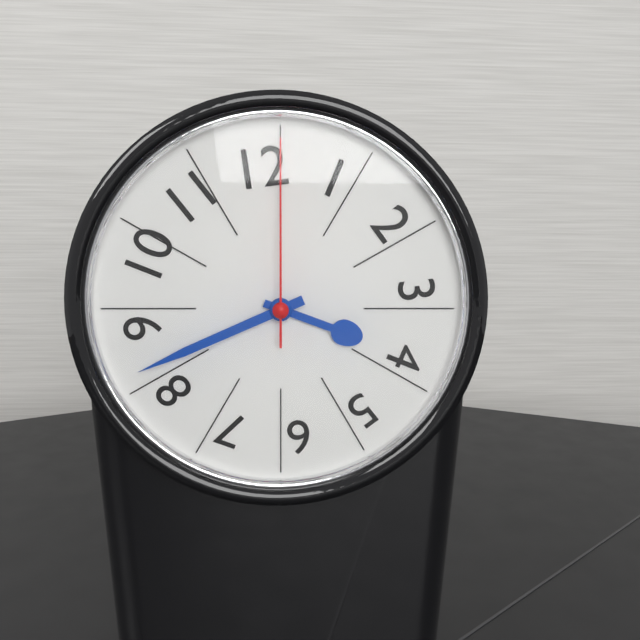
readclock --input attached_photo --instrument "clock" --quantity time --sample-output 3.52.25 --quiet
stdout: 3.41.00
